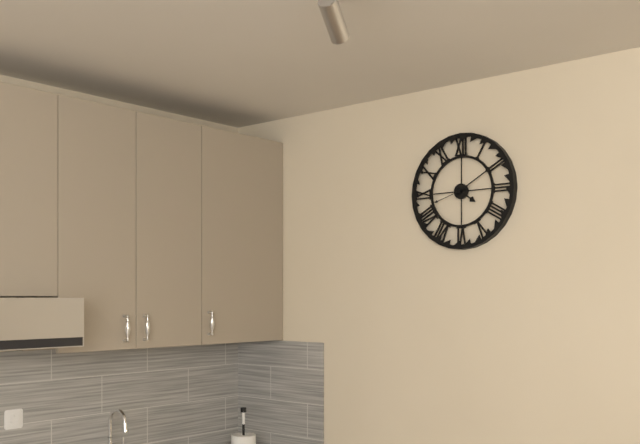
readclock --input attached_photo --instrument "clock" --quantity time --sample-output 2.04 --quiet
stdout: 4.10
